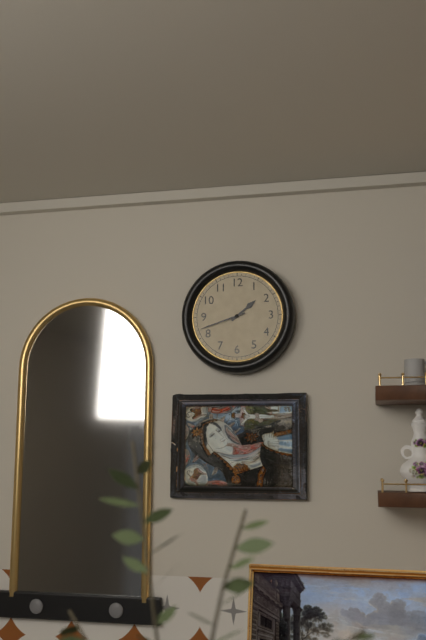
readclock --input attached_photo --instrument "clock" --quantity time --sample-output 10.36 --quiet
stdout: 1.42
